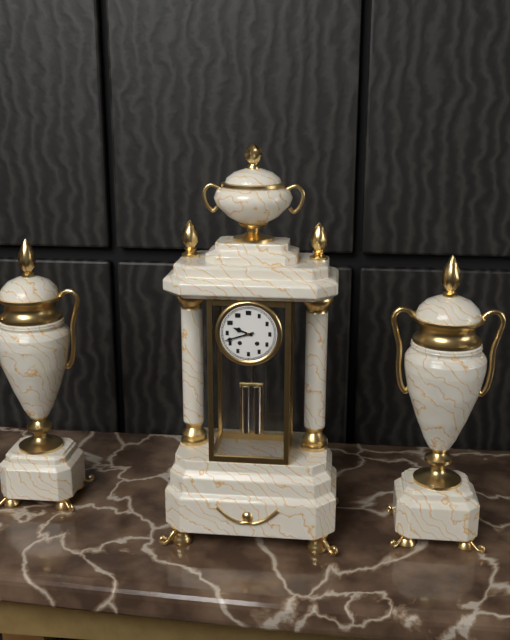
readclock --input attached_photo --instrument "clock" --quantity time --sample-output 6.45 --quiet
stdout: 9.42
